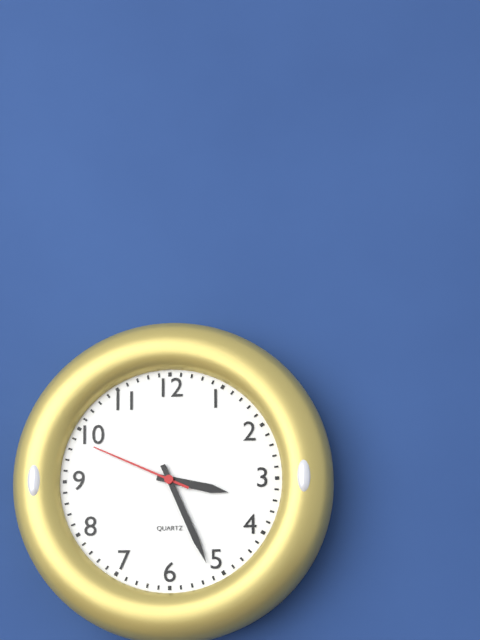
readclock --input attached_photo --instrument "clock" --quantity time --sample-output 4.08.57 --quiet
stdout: 3.26.49
